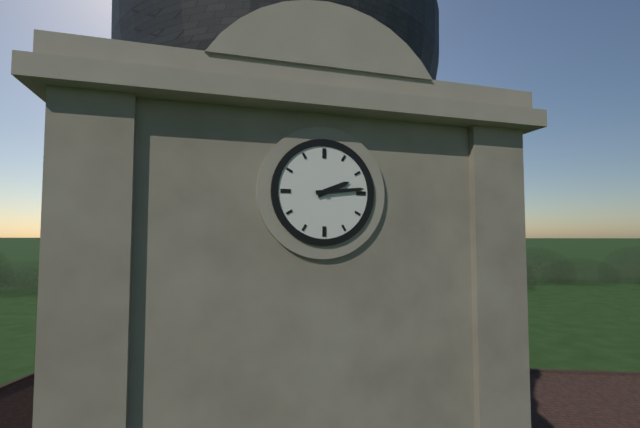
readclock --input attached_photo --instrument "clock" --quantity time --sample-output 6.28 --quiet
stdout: 2.14
